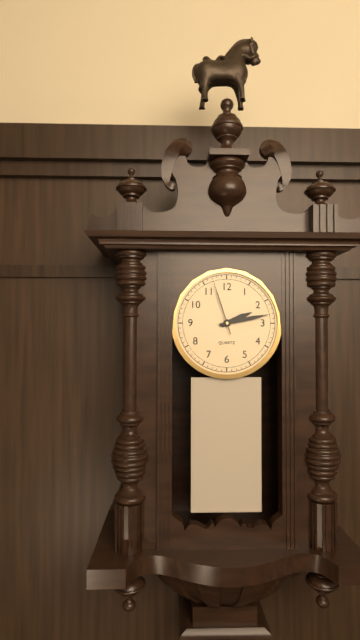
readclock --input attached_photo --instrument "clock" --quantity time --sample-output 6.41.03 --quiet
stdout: 2.13.57
